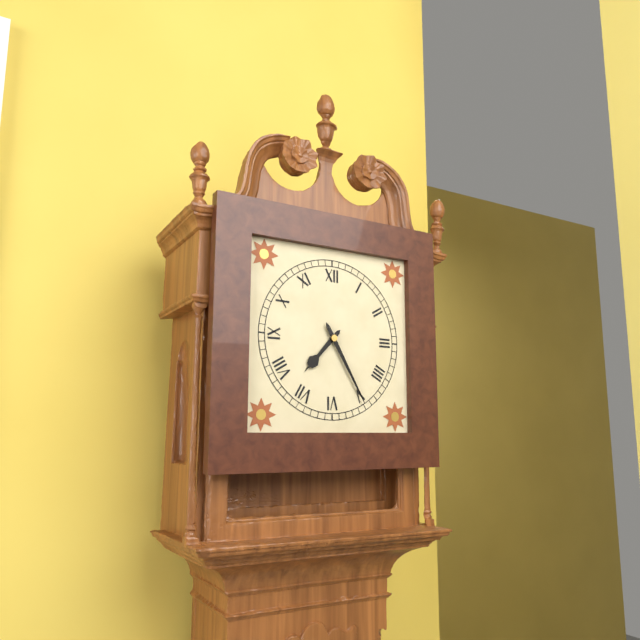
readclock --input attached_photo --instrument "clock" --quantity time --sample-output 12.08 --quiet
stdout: 7.25
